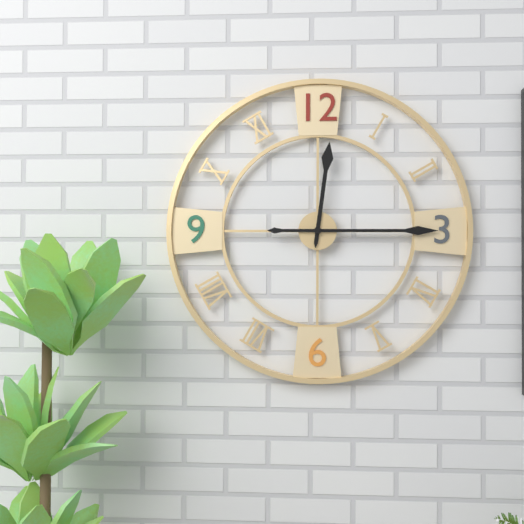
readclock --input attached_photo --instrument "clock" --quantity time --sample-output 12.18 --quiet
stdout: 12.15
